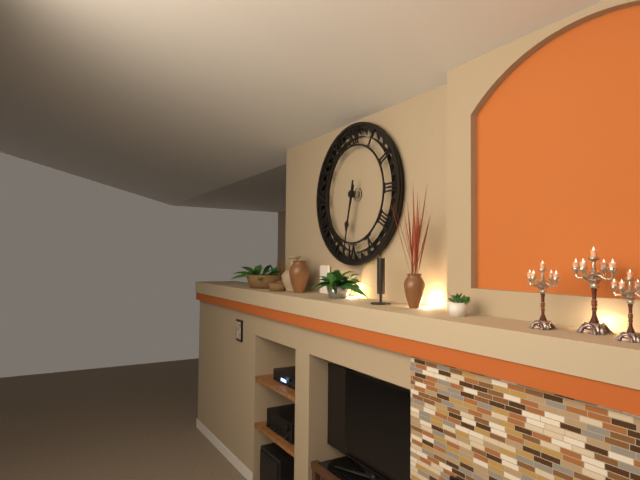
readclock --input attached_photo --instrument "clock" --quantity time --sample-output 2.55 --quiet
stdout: 6.32
